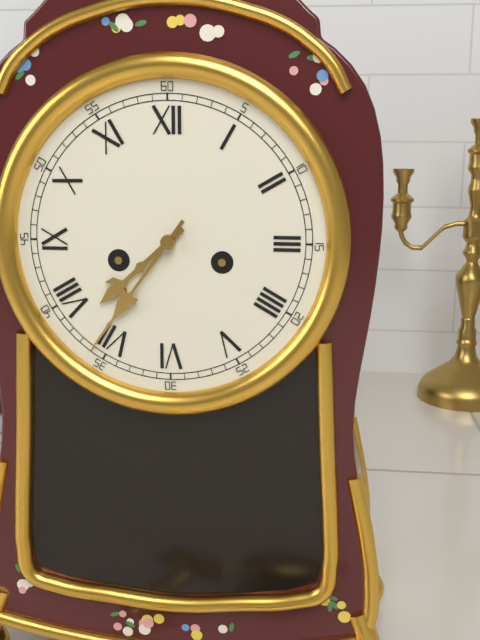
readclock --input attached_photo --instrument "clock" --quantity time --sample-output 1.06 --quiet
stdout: 7.36
